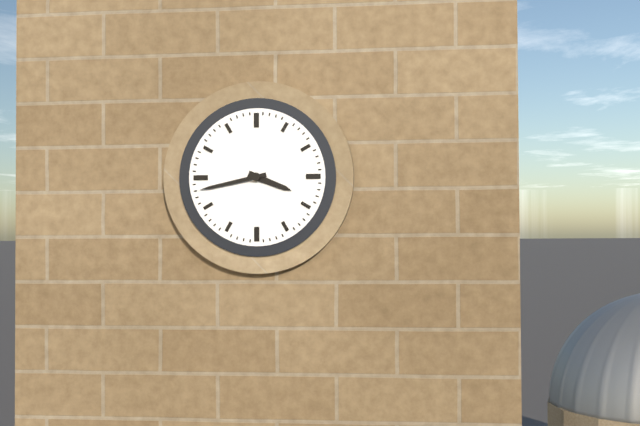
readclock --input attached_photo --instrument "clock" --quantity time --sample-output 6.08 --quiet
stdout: 3.43
